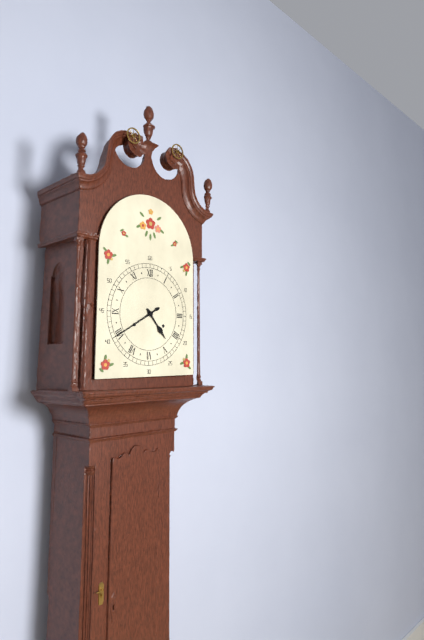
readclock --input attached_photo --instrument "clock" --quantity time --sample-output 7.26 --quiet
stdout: 4.40
